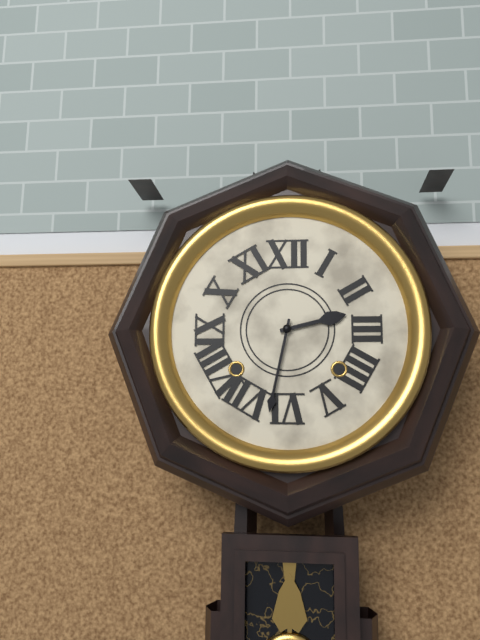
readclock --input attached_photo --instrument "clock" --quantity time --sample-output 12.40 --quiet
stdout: 2.32
